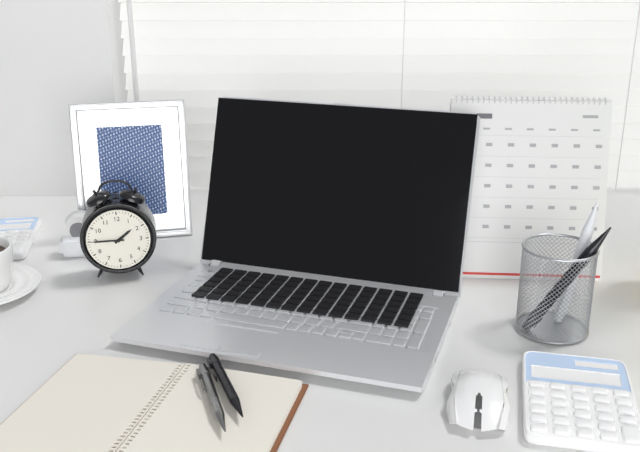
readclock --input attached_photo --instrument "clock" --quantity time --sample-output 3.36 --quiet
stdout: 1.45
